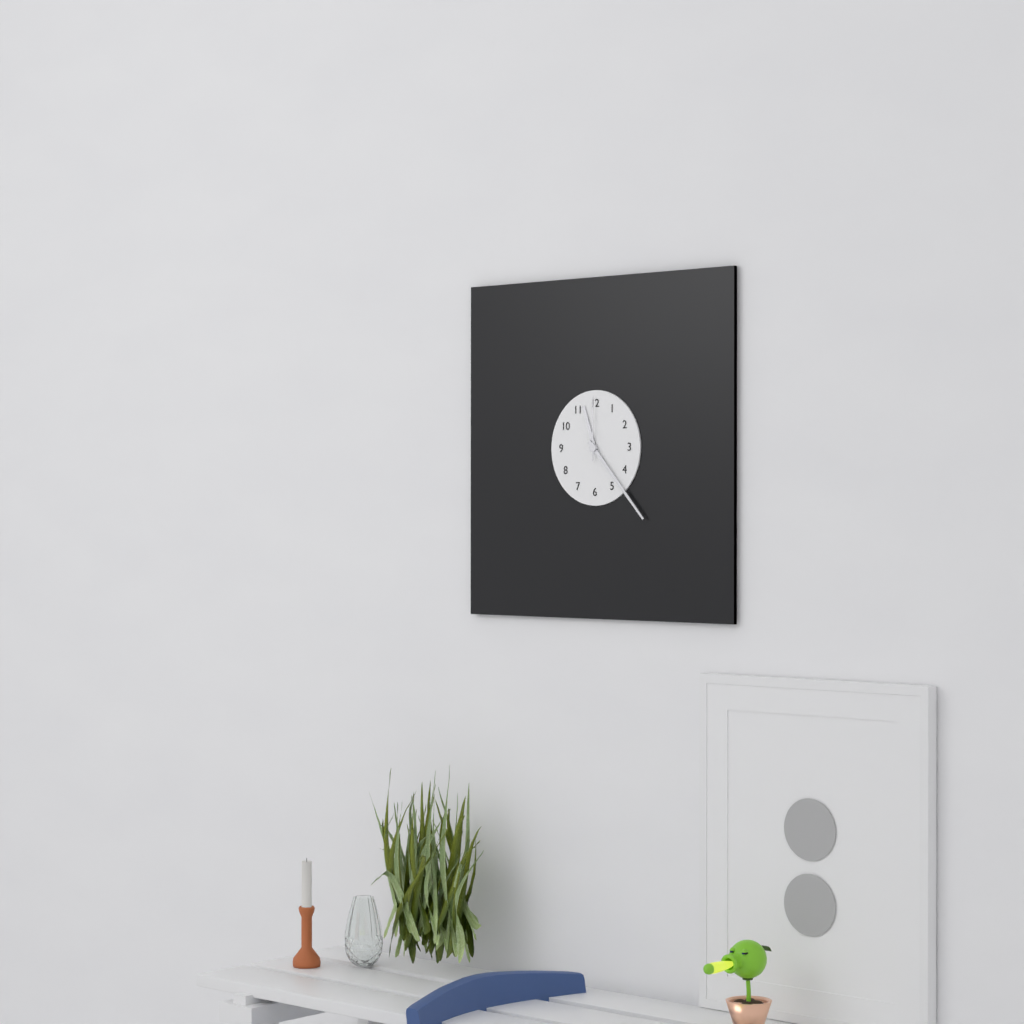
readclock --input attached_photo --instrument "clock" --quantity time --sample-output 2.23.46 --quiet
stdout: 11.23.00
